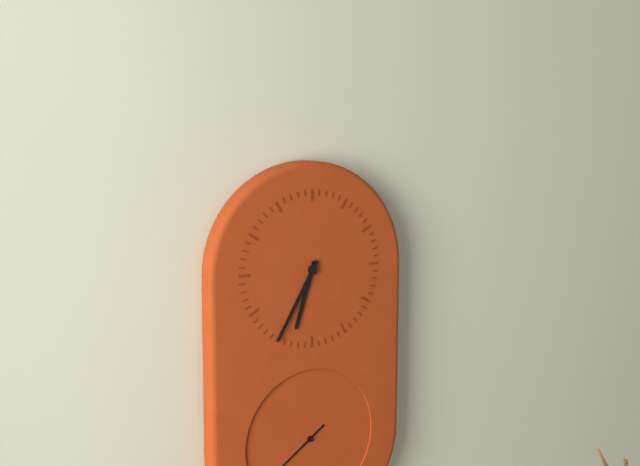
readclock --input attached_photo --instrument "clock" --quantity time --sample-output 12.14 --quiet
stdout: 6.35
